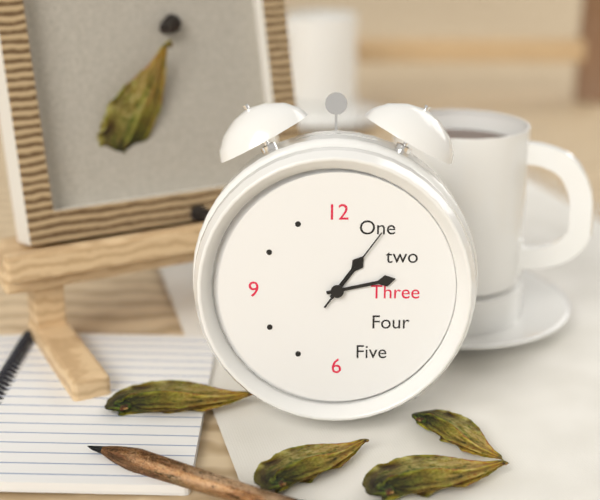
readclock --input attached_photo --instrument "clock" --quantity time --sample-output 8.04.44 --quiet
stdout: 1.13.06
